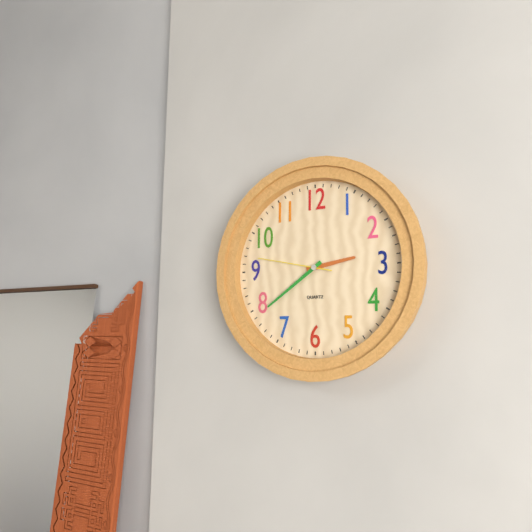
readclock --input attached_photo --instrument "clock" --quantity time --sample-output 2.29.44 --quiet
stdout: 2.39.47
